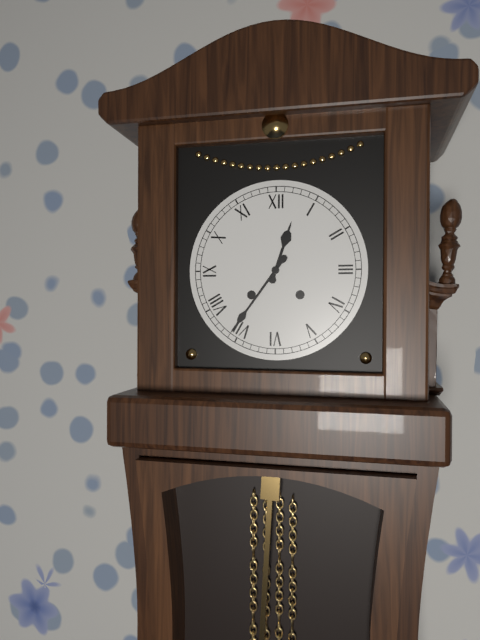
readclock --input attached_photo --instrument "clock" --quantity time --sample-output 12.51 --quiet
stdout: 12.36
